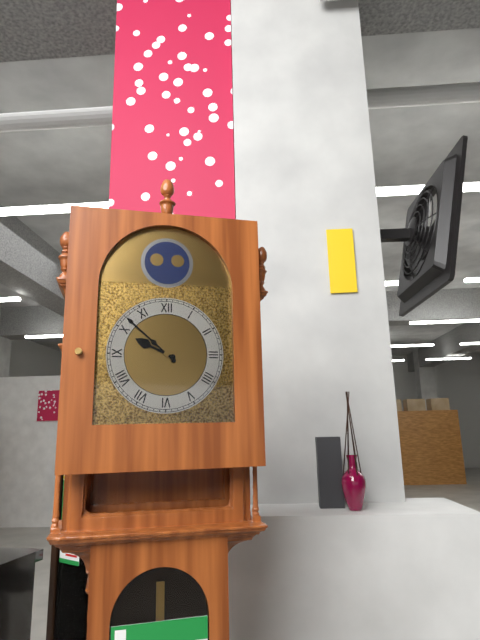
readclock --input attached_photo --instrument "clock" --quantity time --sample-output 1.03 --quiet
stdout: 9.52
